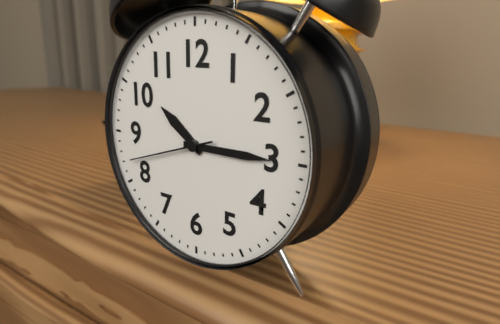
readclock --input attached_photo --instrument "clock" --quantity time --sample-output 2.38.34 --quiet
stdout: 10.15.42
